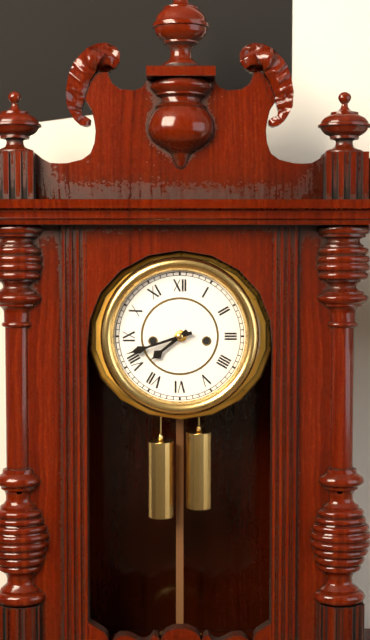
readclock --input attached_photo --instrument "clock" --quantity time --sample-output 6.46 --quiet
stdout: 7.42
